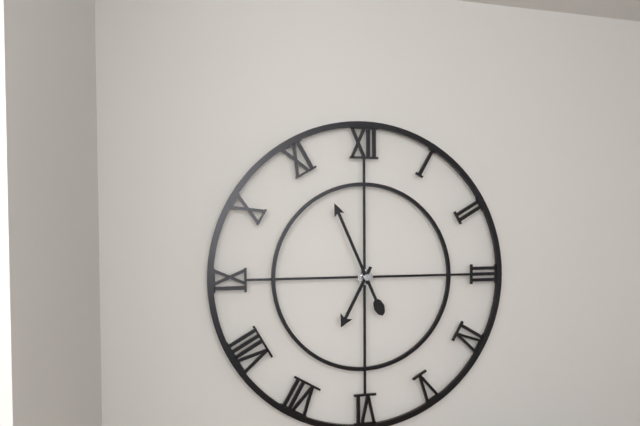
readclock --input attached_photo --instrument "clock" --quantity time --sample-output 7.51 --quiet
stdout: 6.56
